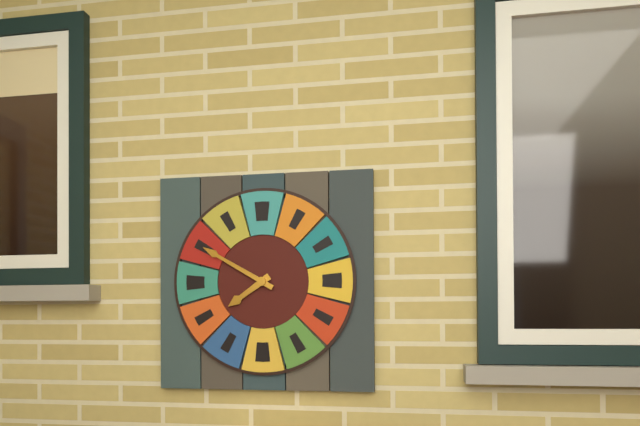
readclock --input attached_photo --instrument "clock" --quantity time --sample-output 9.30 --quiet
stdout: 7.50
